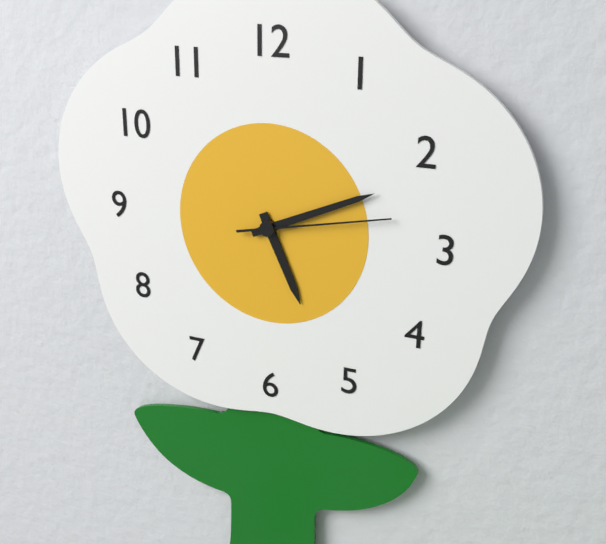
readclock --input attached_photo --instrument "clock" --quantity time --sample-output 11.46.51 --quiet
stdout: 5.11.13
